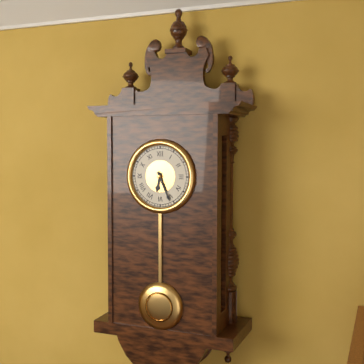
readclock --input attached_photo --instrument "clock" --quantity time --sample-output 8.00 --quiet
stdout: 6.26
